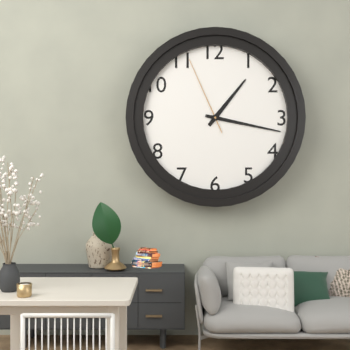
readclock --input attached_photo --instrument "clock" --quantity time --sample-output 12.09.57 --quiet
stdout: 1.17.56
